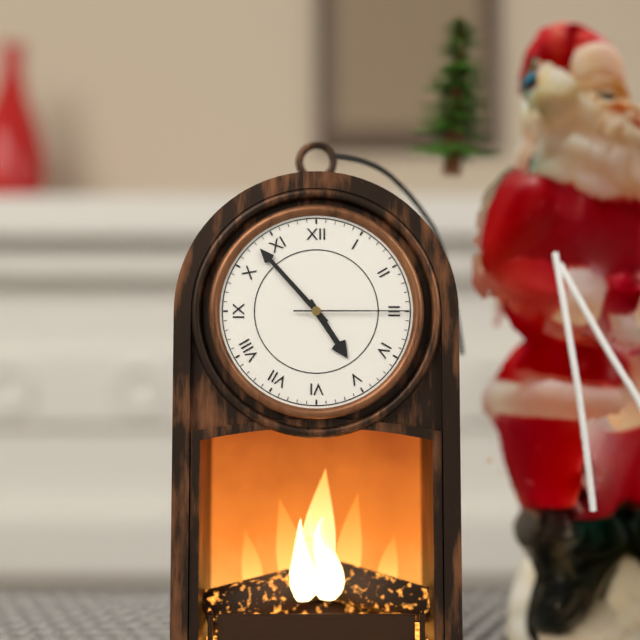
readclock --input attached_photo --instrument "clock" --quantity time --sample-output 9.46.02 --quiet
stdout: 4.53.15
